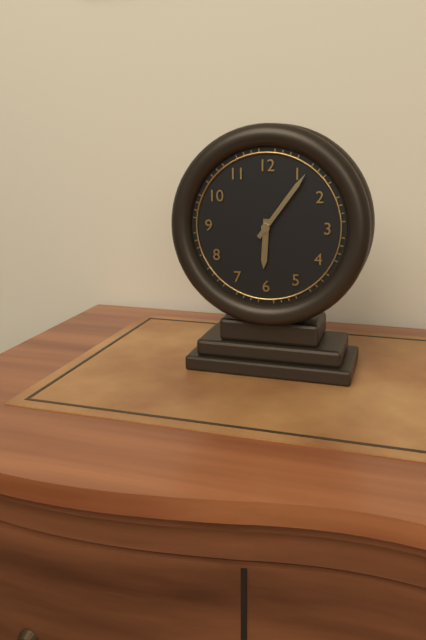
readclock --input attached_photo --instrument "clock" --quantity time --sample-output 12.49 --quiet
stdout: 6.06
